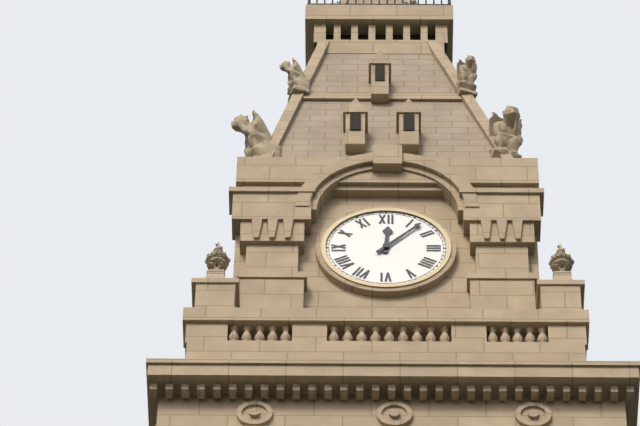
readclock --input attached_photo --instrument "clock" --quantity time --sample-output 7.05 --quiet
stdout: 12.07
